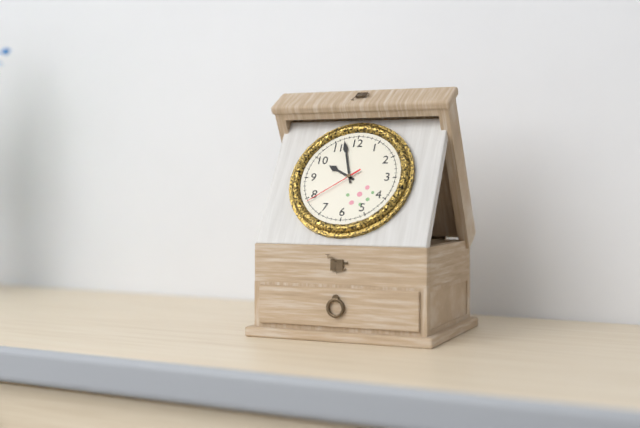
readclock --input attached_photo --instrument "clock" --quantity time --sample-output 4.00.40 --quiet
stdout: 9.57.39
